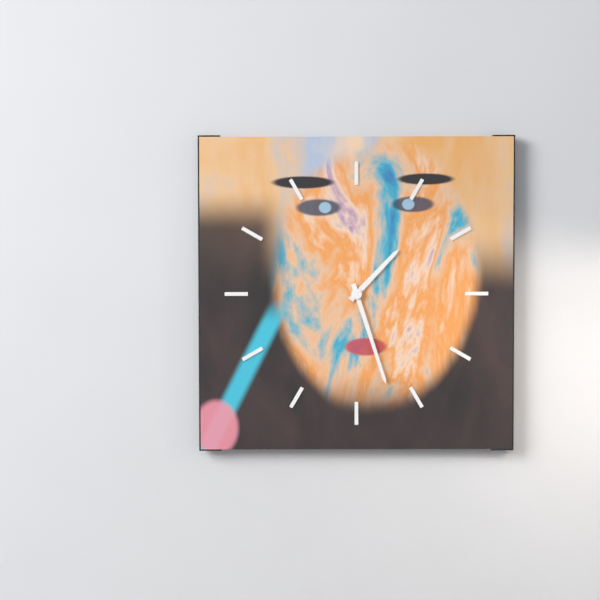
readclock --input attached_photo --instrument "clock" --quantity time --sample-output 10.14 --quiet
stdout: 1.27
